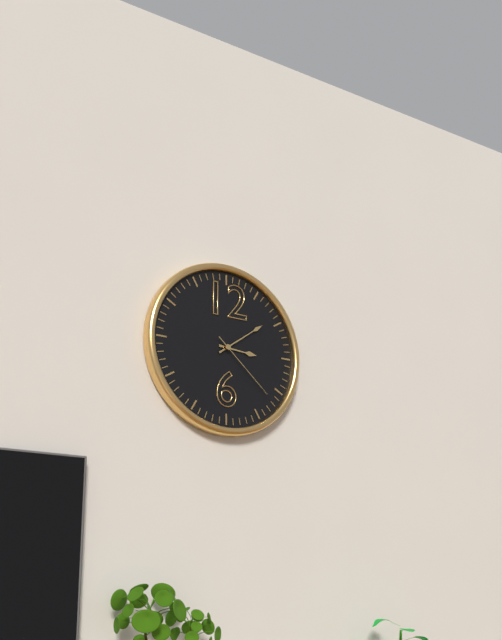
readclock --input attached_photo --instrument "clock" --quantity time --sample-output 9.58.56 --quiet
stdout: 3.09.22
